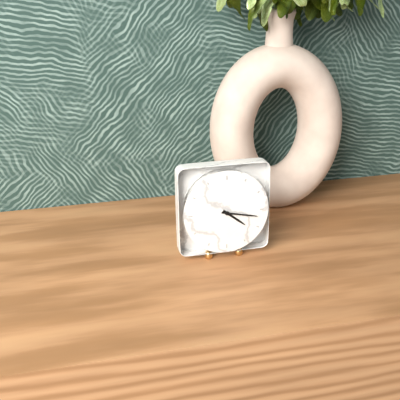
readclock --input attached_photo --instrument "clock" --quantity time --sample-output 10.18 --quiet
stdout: 4.17
